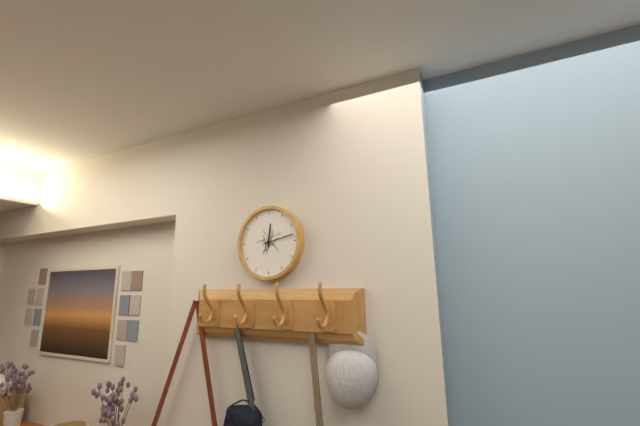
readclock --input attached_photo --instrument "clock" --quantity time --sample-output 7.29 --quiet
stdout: 12.13
